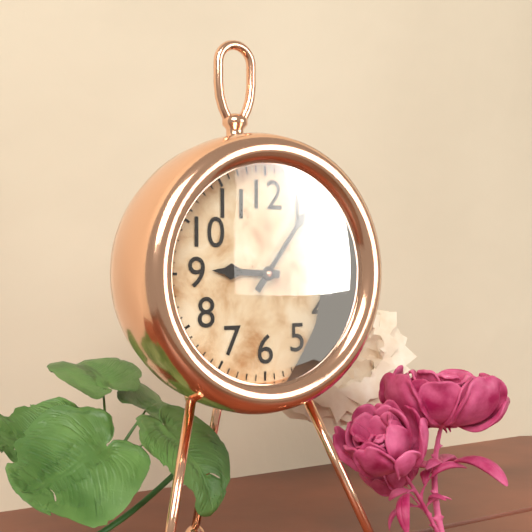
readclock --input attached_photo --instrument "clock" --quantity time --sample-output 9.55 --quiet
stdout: 9.06
